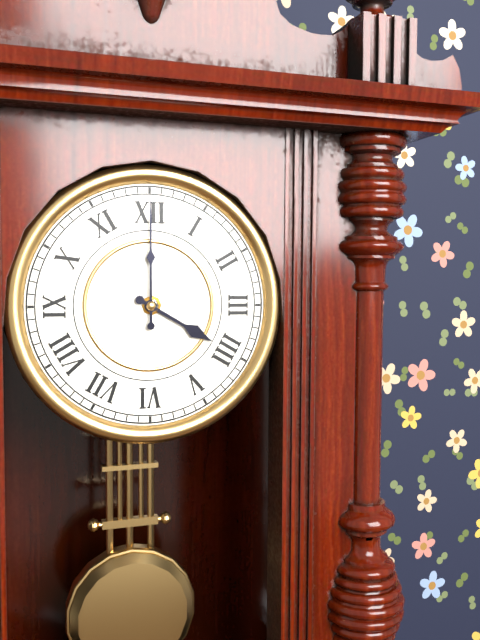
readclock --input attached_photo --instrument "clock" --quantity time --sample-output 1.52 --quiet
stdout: 4.00
